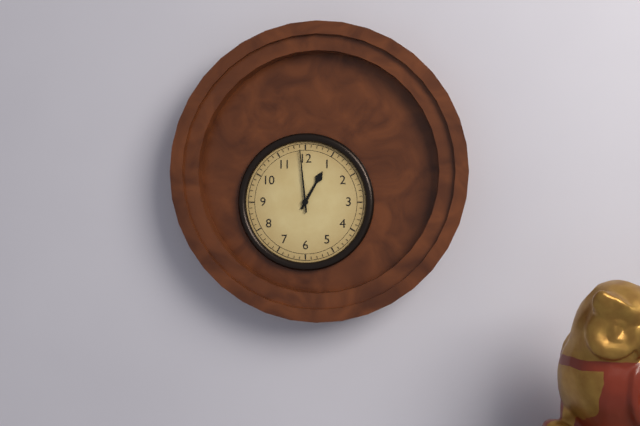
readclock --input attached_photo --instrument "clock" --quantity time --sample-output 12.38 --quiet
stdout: 12.59
